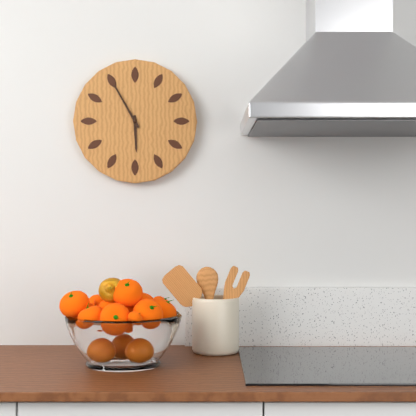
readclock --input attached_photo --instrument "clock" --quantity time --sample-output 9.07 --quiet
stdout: 5.55
